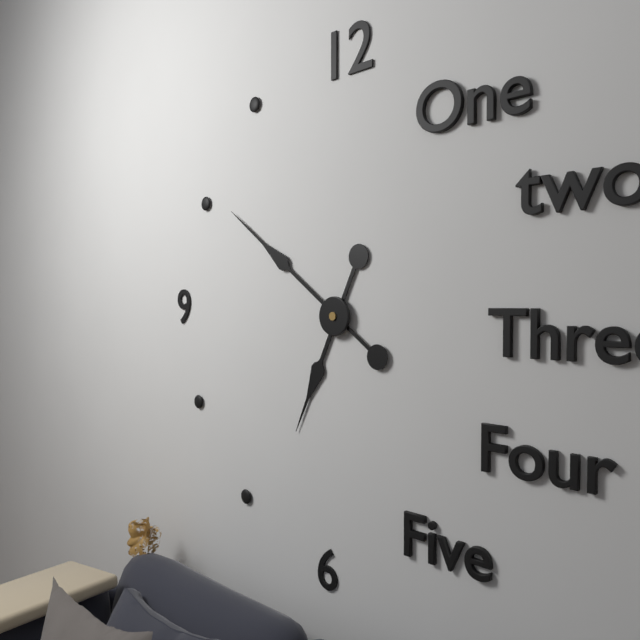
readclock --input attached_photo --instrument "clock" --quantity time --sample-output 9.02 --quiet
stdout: 6.51
